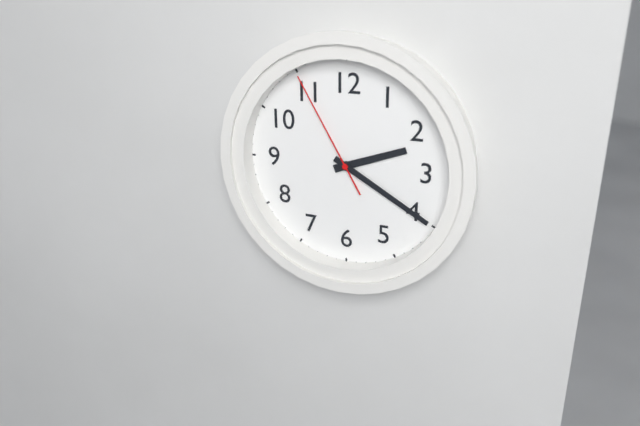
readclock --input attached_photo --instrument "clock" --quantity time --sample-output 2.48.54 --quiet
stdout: 2.20.55
